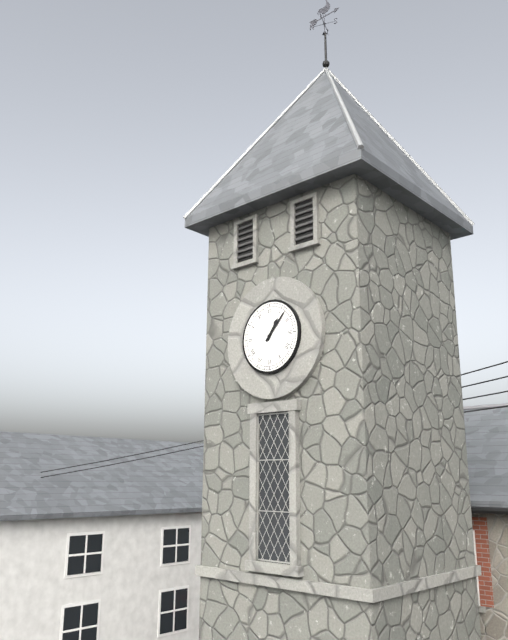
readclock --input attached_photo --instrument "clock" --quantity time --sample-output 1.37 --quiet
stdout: 1.07
